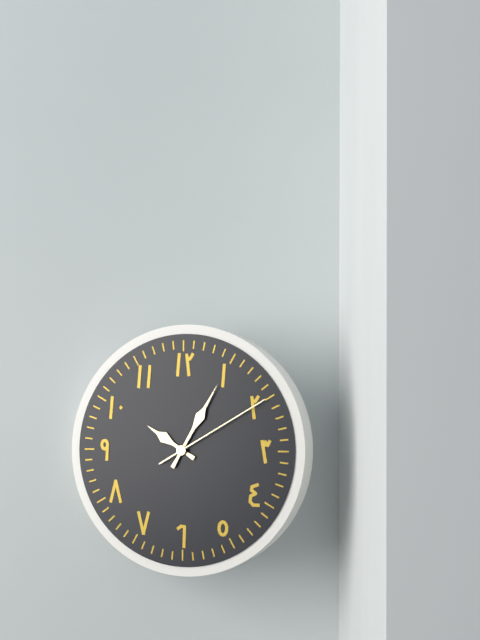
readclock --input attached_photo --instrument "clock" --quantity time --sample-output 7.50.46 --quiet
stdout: 10.05.10
